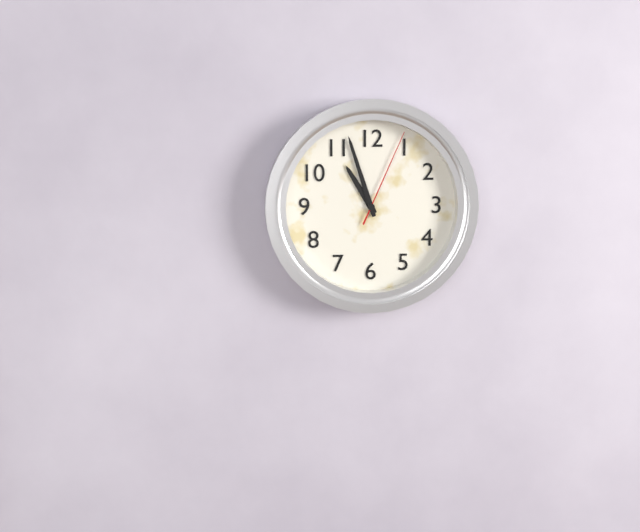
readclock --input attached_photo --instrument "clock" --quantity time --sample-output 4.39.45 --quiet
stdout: 10.57.04
